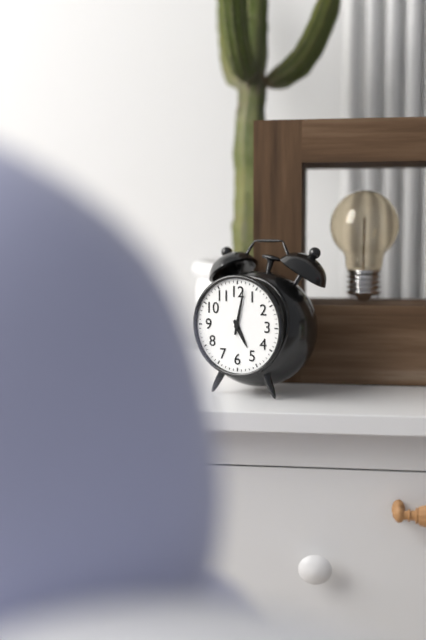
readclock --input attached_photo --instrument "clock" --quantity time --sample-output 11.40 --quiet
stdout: 5.02
